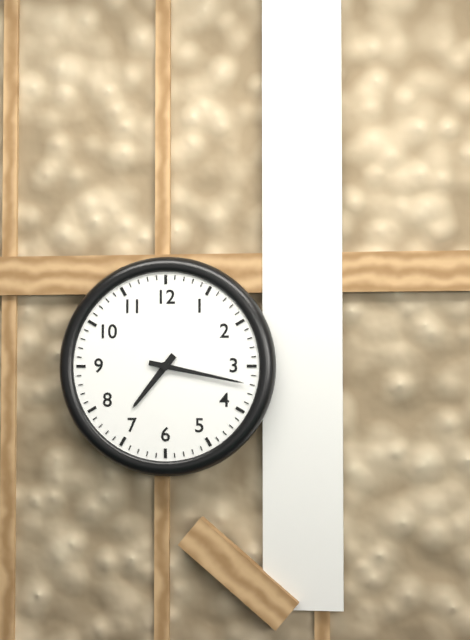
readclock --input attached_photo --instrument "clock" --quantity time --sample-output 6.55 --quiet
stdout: 7.17
